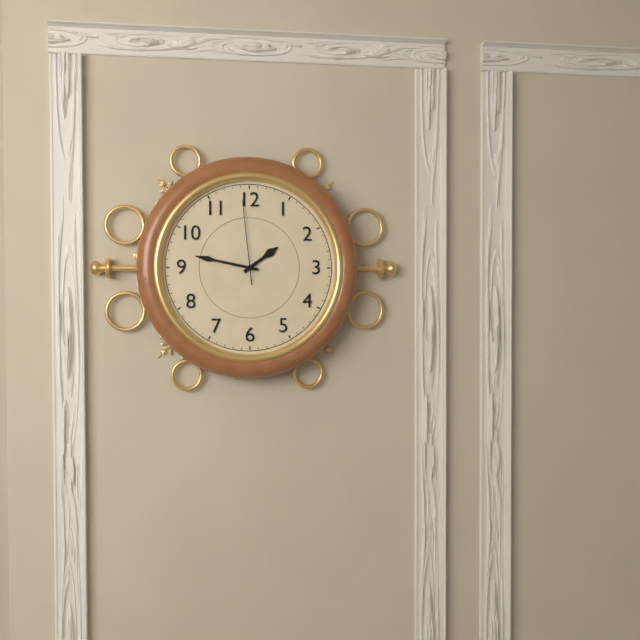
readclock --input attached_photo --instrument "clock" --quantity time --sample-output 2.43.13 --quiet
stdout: 1.47.59
